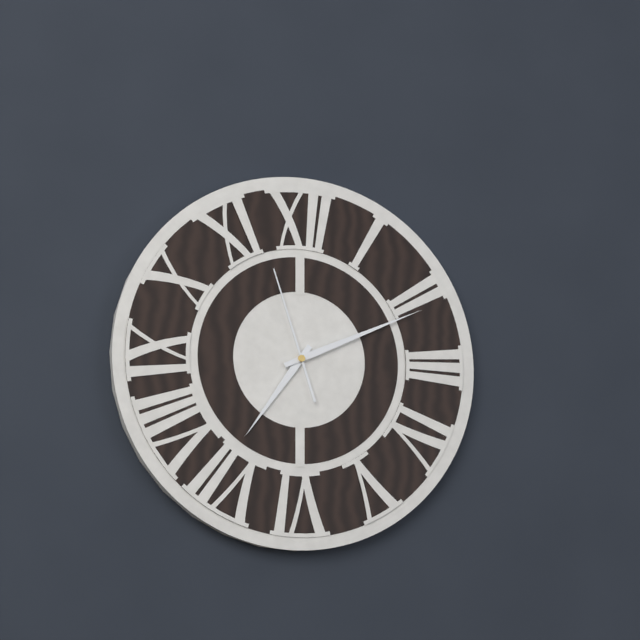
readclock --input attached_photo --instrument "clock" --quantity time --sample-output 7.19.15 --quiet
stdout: 7.11.57
